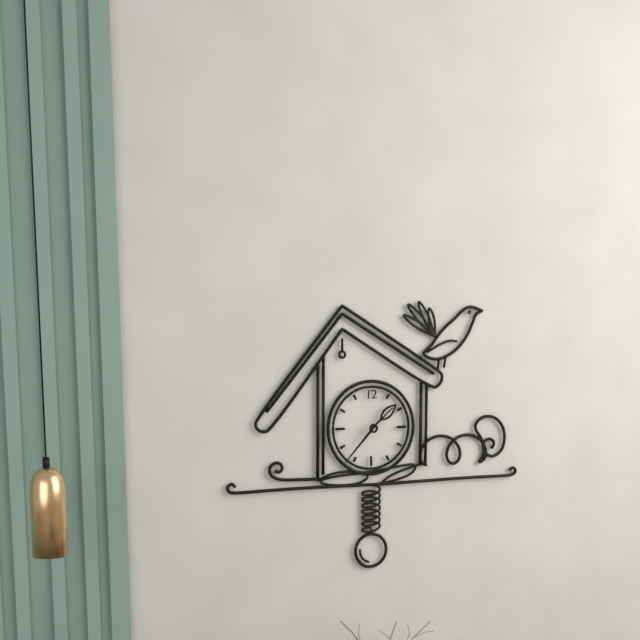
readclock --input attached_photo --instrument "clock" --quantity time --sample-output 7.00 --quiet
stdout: 1.37
